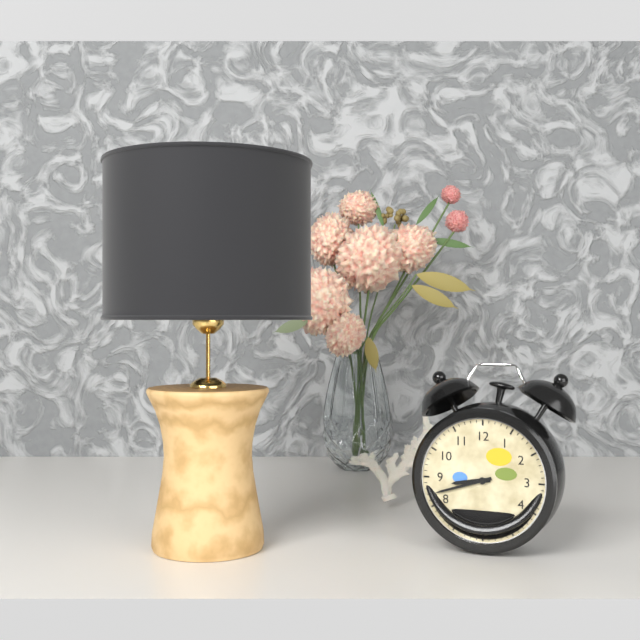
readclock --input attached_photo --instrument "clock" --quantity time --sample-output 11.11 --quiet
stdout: 8.42
